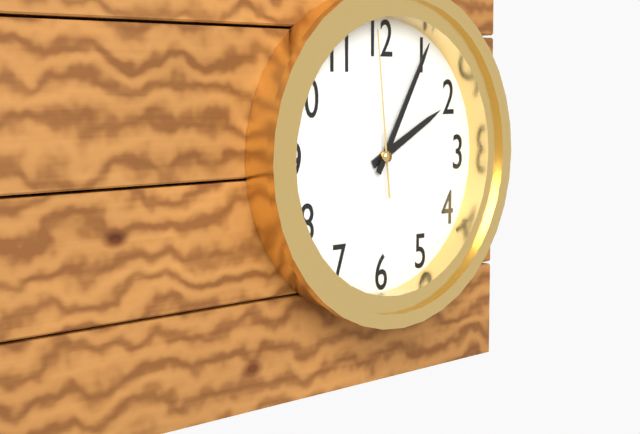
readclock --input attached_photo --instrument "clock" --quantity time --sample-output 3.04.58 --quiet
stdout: 2.05.59
